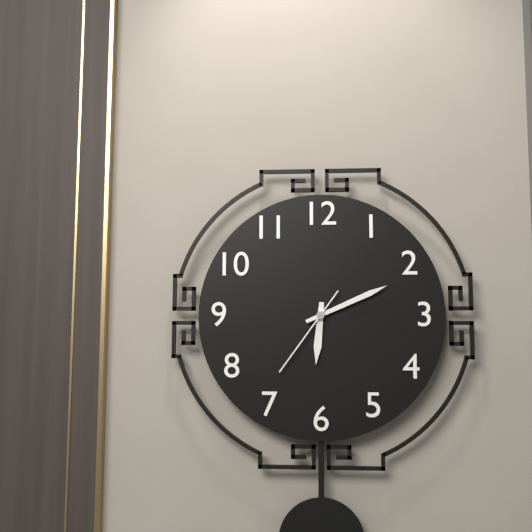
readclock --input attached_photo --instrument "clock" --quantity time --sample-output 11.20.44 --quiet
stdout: 6.11.36
